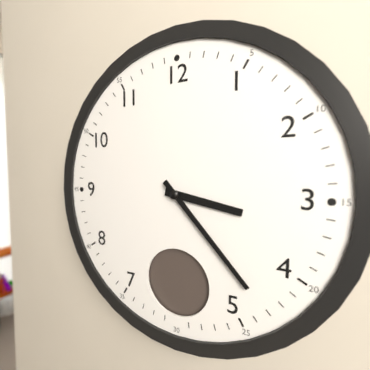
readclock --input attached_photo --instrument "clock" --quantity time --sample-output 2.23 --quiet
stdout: 3.23
